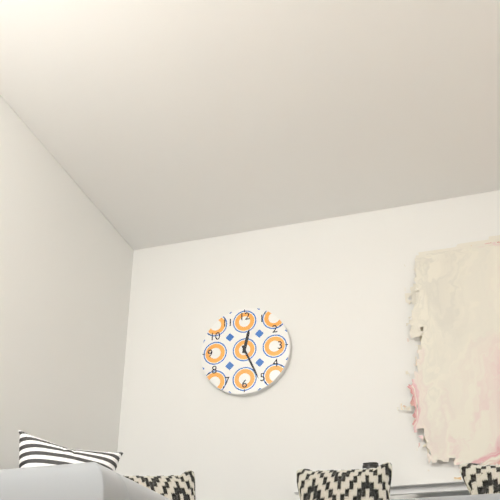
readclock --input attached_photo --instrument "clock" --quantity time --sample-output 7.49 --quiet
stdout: 12.26
